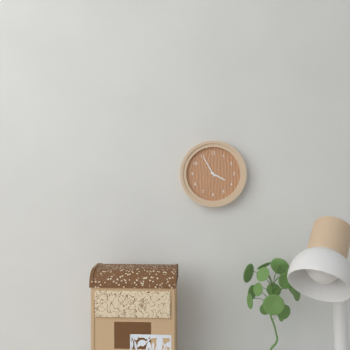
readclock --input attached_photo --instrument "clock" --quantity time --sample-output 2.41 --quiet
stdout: 3.55
